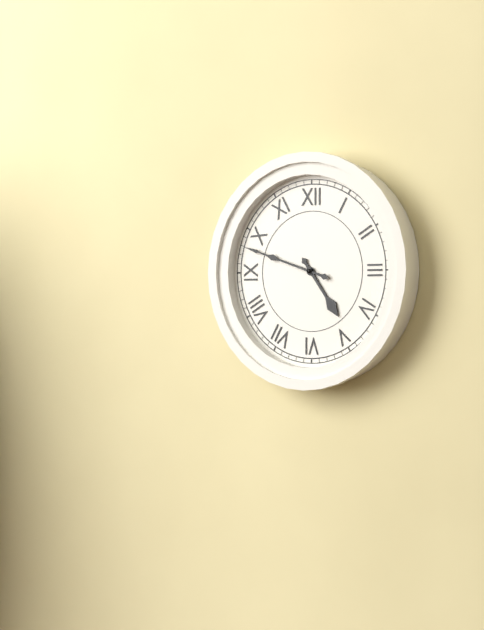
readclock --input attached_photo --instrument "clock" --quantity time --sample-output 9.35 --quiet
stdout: 4.48
